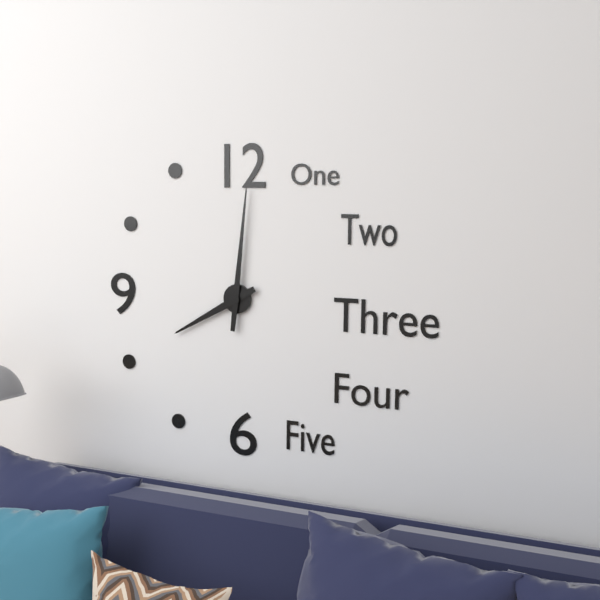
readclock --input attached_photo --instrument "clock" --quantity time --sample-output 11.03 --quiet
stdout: 8.01
